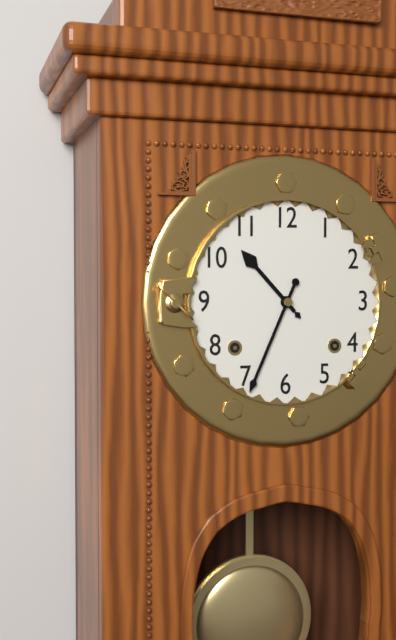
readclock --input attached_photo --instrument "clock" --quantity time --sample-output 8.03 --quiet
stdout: 10.34
